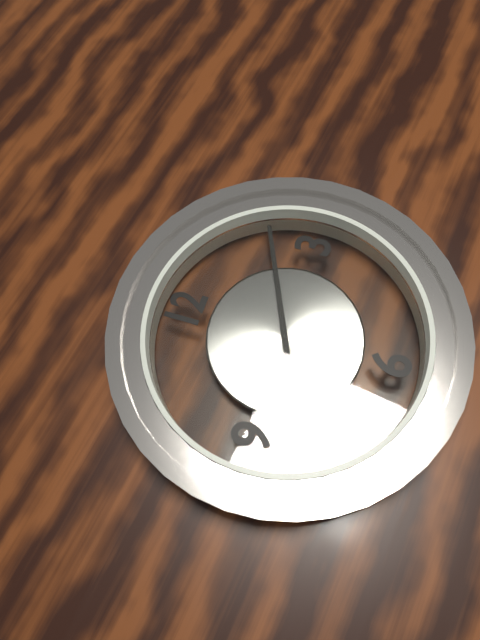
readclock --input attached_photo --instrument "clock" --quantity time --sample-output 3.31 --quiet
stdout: 8.11
